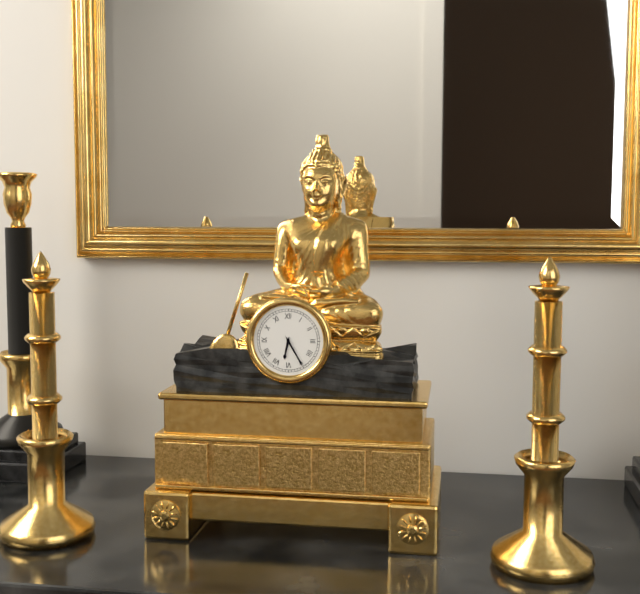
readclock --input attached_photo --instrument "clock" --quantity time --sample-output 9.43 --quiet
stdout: 6.25
